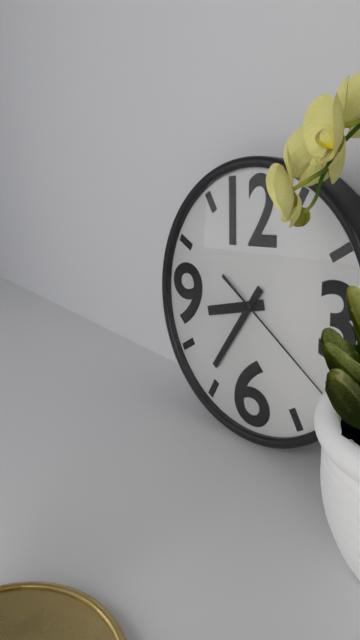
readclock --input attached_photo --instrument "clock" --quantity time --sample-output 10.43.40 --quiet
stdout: 8.36.21
